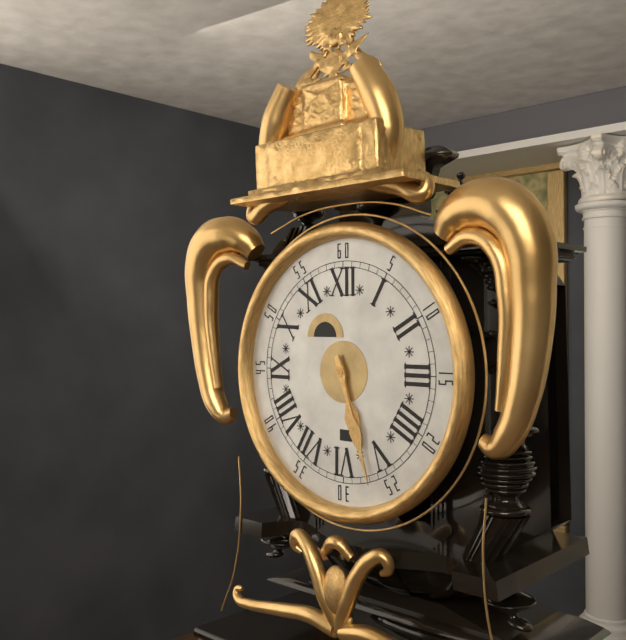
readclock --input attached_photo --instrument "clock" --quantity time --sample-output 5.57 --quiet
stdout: 5.27
